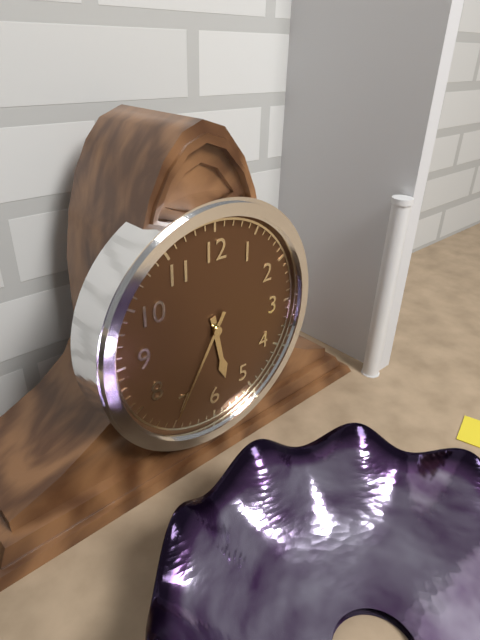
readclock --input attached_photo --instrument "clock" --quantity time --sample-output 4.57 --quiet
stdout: 5.35
